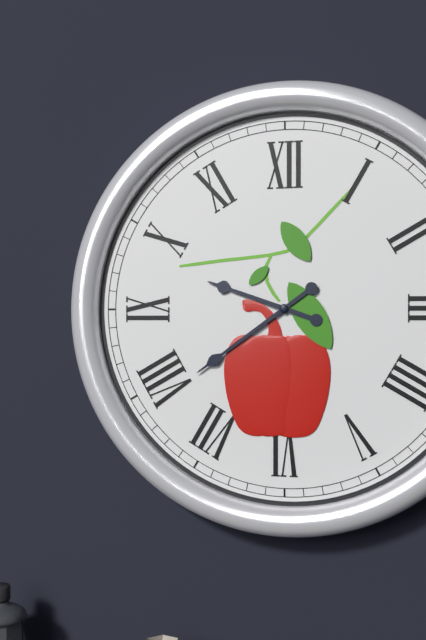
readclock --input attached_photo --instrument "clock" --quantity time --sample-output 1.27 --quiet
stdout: 9.39
